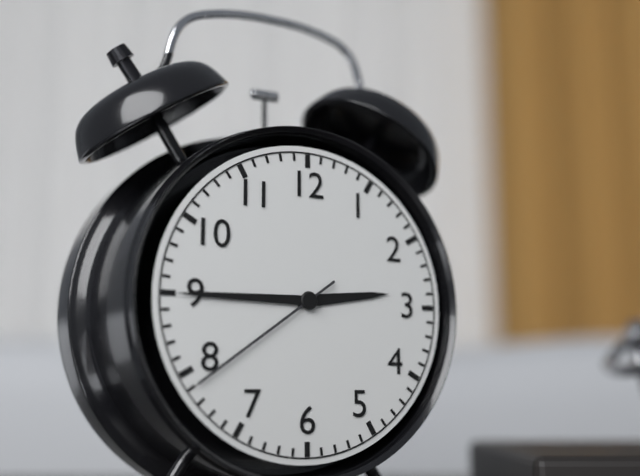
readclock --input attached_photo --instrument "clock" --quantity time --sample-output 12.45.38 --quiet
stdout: 2.45.39
